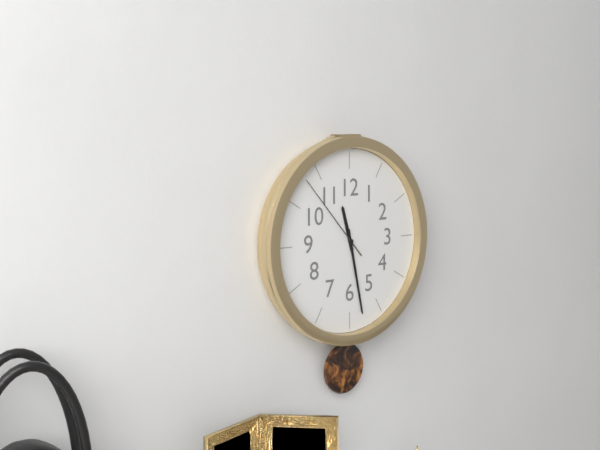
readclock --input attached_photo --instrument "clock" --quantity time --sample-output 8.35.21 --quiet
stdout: 11.28.53
